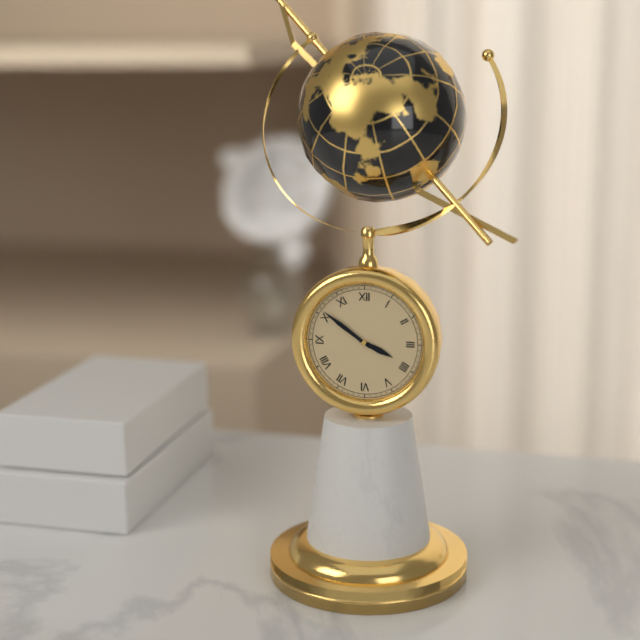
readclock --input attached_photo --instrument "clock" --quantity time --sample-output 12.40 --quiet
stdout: 3.51
